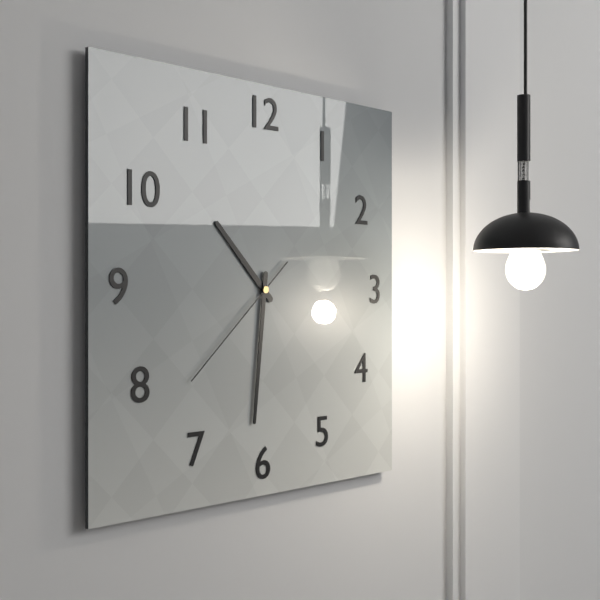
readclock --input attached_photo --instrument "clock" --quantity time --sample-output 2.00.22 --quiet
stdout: 10.31.38
